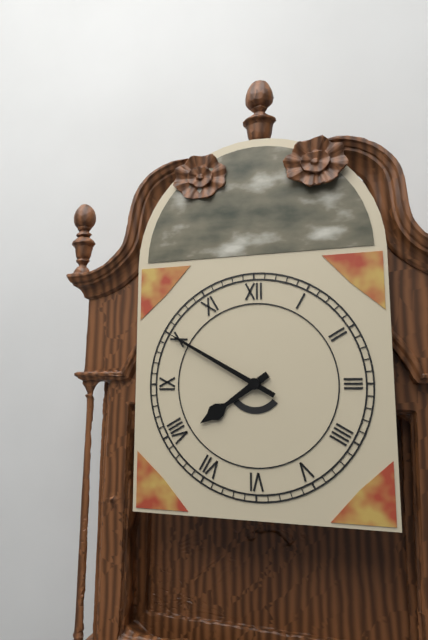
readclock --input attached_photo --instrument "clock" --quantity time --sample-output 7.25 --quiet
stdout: 7.50
